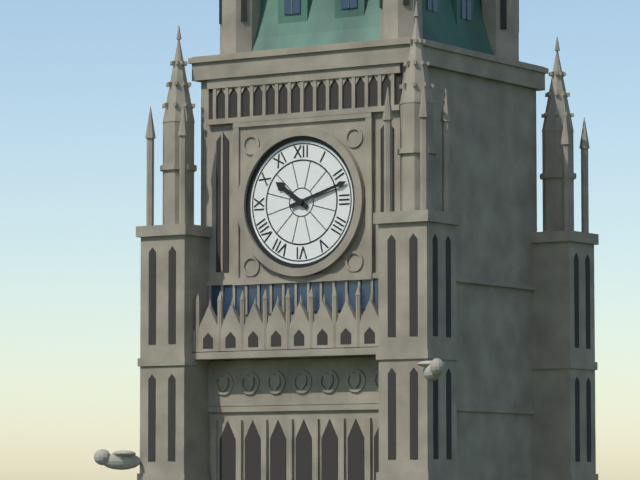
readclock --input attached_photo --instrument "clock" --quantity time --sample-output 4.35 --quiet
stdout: 10.12
